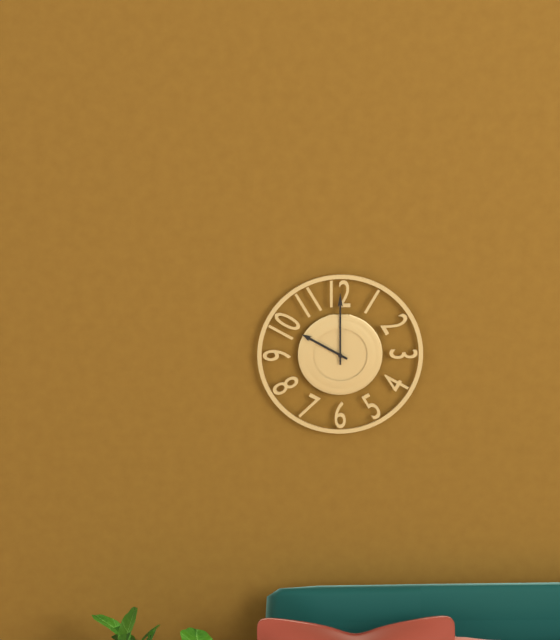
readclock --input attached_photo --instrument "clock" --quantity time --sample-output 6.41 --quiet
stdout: 10.00
